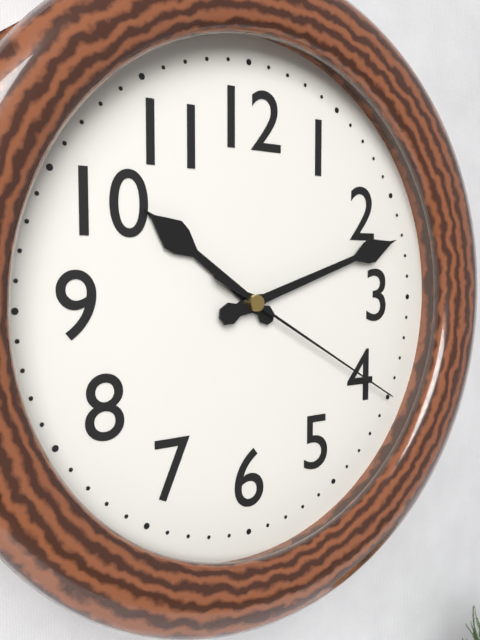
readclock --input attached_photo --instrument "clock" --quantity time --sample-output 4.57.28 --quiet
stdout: 10.12.20
